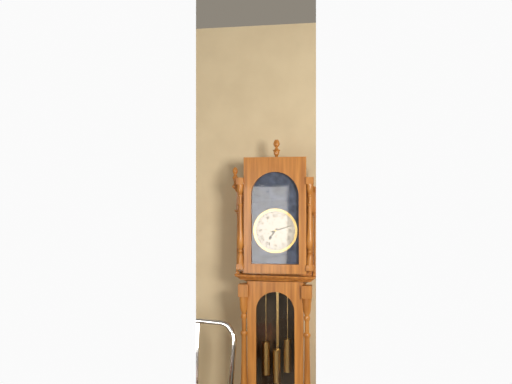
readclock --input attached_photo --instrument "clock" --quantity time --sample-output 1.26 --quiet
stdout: 7.12
